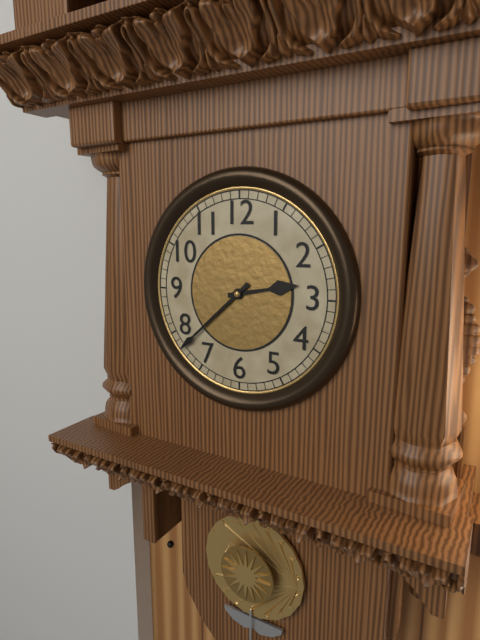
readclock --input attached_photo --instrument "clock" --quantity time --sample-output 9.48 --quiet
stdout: 2.38
